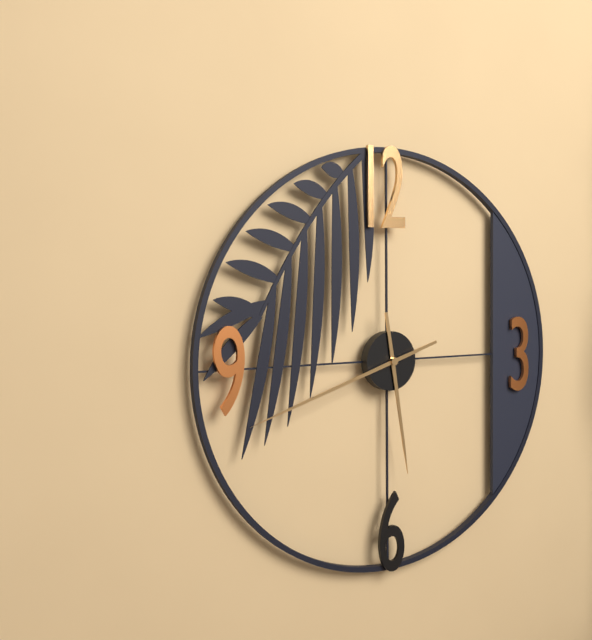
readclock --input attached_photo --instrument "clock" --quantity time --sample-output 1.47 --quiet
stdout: 5.42
